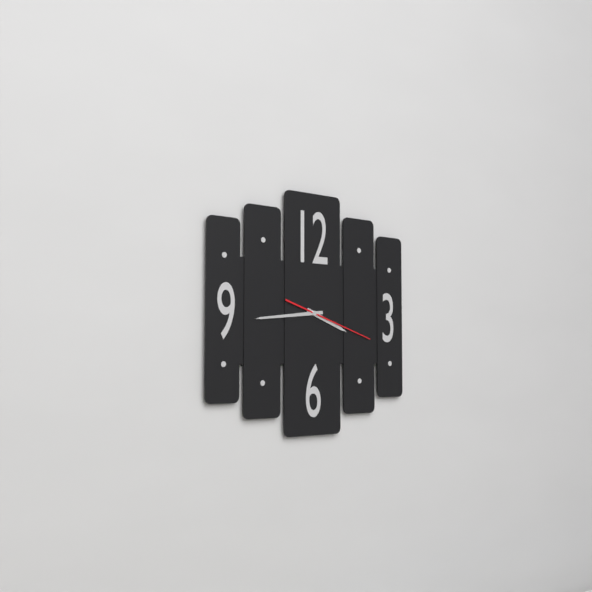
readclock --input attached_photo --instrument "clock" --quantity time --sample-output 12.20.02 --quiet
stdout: 3.44.18
